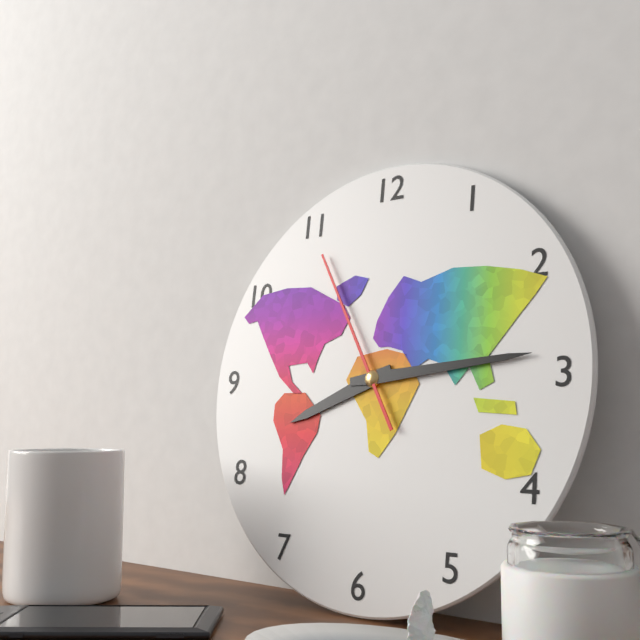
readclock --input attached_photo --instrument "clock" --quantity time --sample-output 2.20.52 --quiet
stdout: 8.14.55
